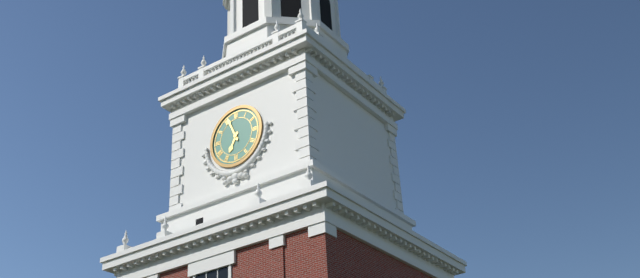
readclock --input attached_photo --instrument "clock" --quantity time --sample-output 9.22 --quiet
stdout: 6.56
